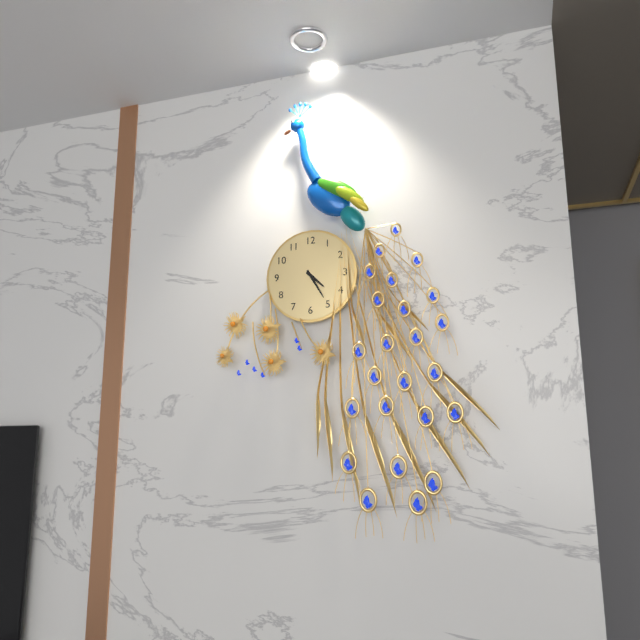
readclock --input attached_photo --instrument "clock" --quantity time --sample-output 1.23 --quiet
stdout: 4.25
